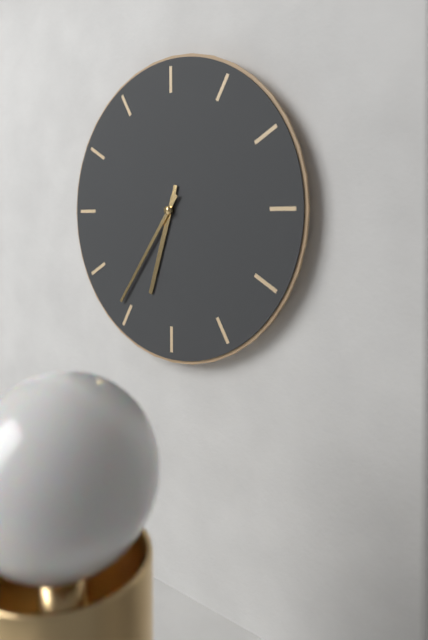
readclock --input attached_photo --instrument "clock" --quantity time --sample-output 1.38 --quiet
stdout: 6.36
